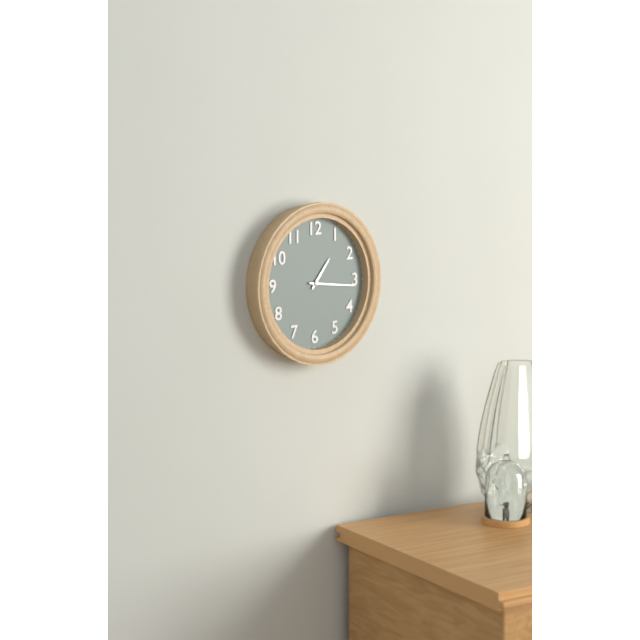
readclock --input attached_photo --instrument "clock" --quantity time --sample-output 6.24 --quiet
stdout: 1.16
